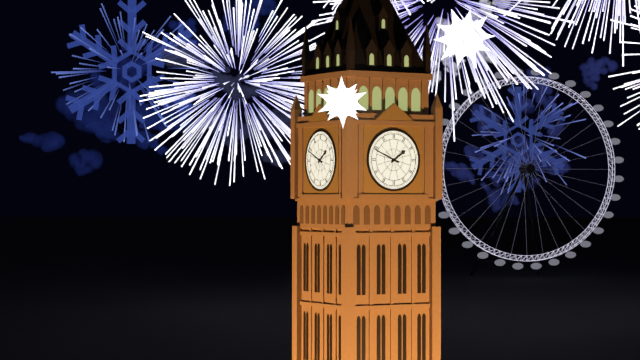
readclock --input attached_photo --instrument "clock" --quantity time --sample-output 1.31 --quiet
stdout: 1.49
